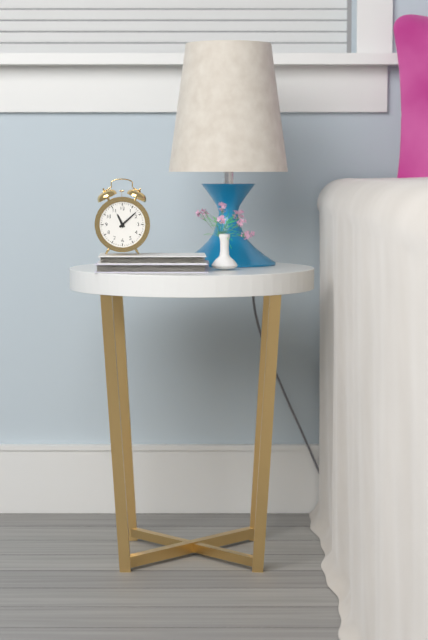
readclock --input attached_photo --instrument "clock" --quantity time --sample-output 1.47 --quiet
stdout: 11.08
